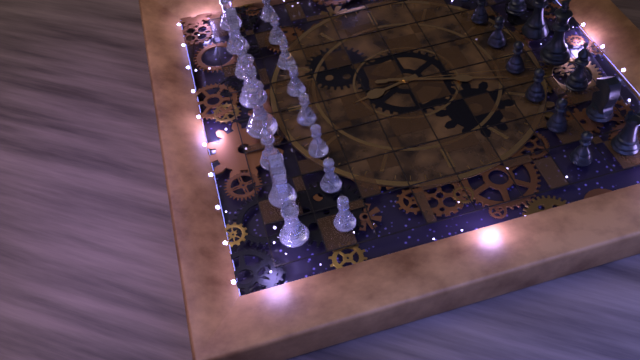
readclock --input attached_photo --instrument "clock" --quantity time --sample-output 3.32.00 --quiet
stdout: 11.33.32
